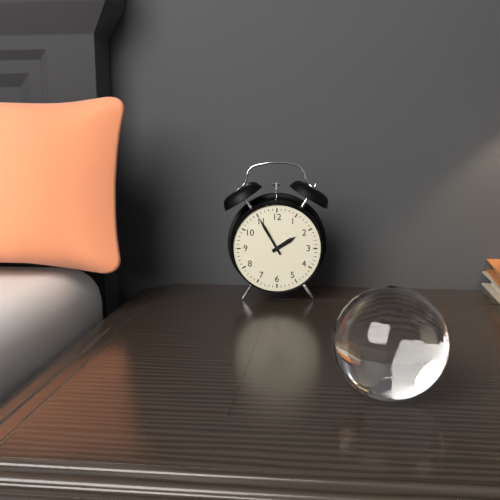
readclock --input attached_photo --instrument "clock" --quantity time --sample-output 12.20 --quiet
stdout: 1.55
